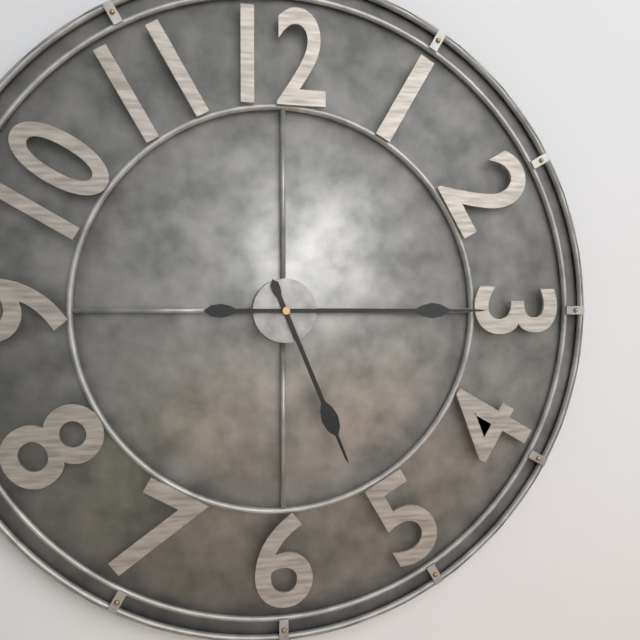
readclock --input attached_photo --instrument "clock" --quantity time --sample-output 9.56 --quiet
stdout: 5.15
